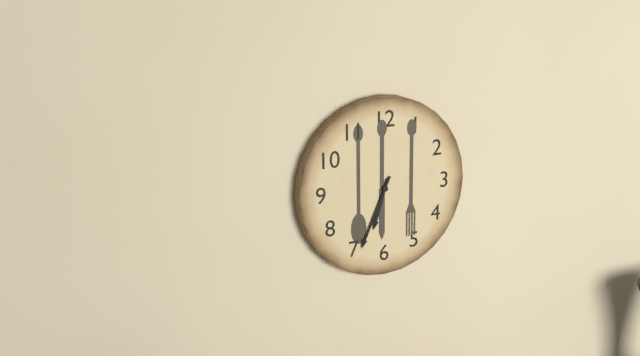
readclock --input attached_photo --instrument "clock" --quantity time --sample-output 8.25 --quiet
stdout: 6.34
